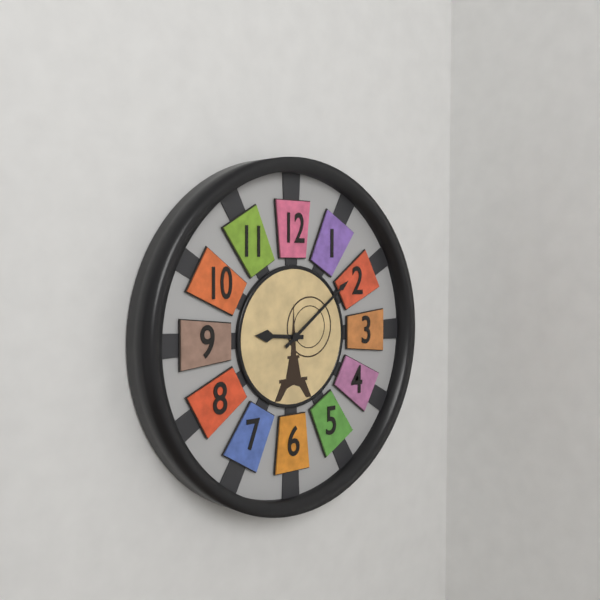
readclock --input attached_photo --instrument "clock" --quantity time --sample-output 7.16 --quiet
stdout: 9.09
